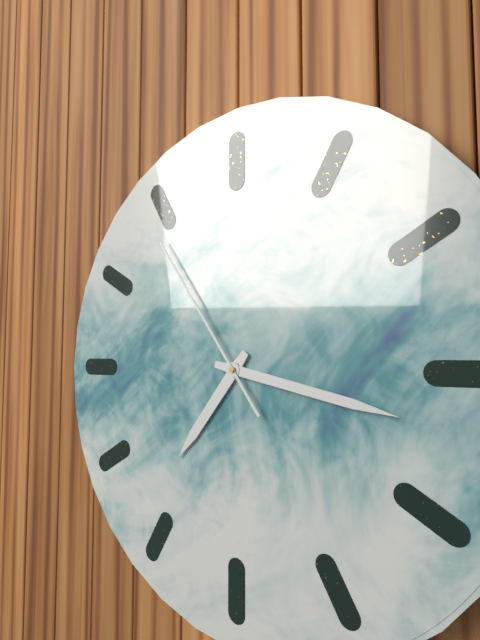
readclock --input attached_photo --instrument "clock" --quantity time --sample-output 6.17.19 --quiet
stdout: 7.17.54
